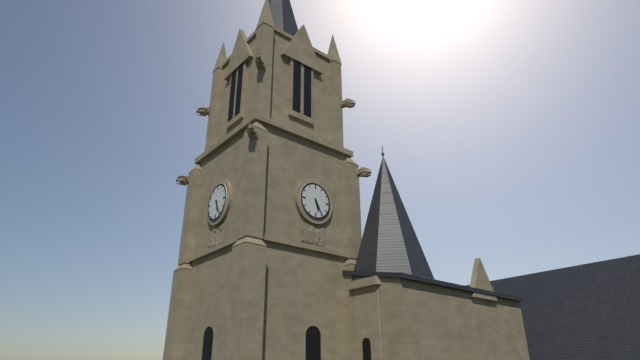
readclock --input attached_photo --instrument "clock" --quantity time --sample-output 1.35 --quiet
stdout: 5.25
